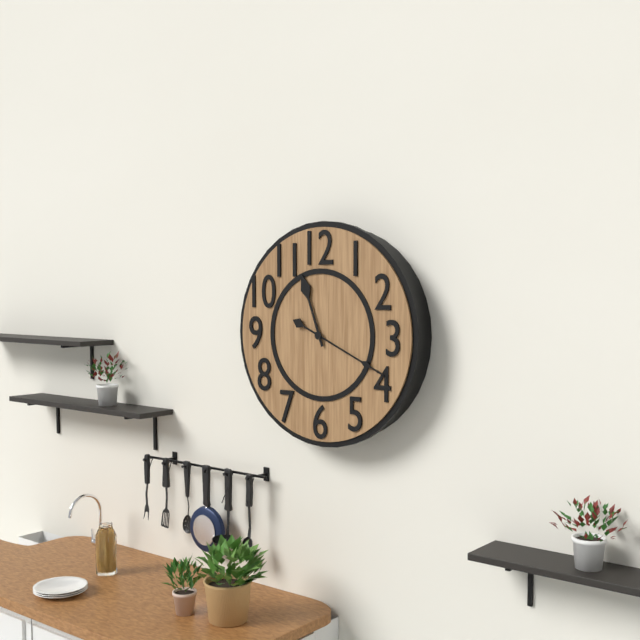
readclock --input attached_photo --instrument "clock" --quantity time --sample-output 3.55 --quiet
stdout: 11.19
